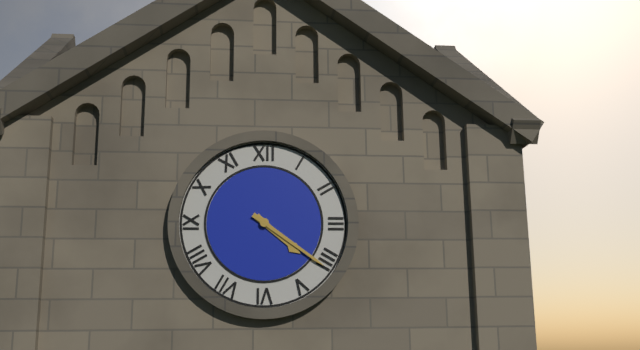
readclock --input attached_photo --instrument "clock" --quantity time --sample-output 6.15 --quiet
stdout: 4.21
